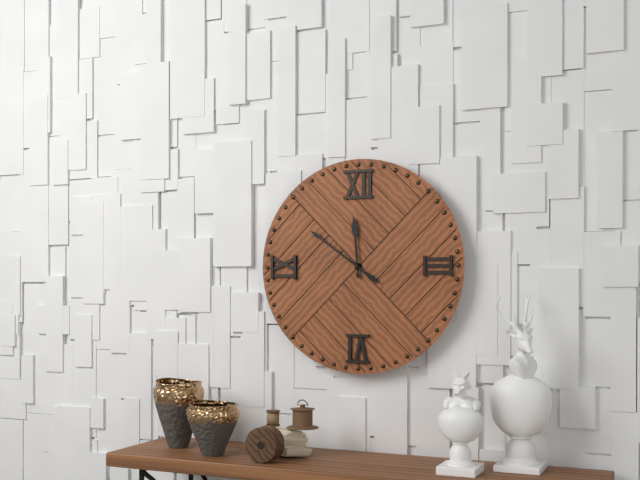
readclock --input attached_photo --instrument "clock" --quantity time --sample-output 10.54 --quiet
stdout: 11.51
